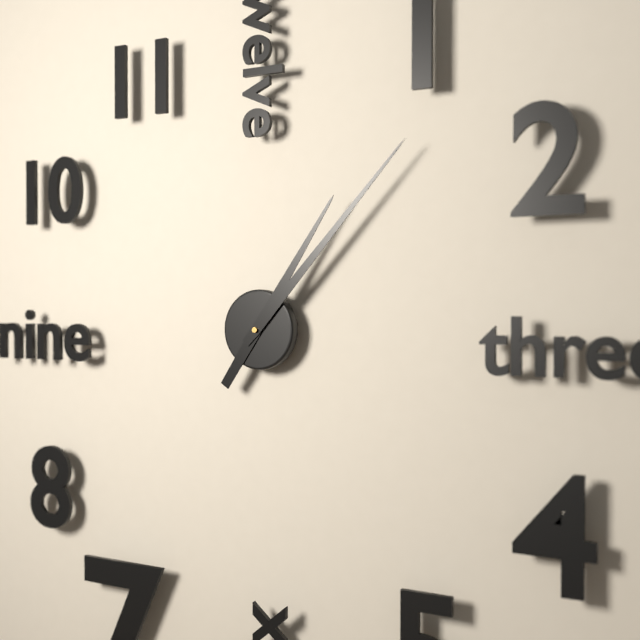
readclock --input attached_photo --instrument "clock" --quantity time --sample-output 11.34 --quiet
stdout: 1.07
